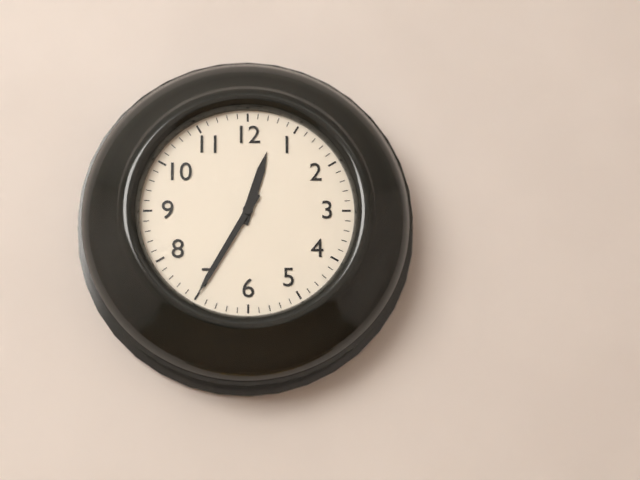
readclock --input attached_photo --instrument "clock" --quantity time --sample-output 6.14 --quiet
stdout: 12.35
